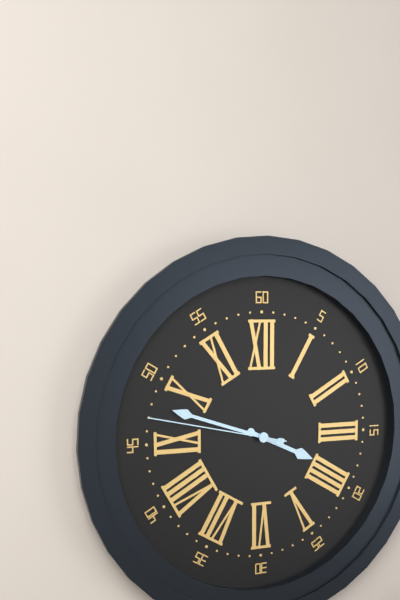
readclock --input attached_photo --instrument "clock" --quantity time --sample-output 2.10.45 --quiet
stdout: 3.48.47
